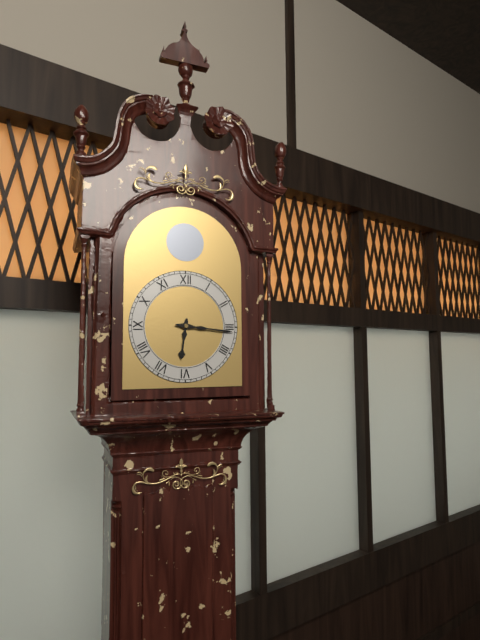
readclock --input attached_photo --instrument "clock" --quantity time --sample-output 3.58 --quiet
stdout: 6.16
